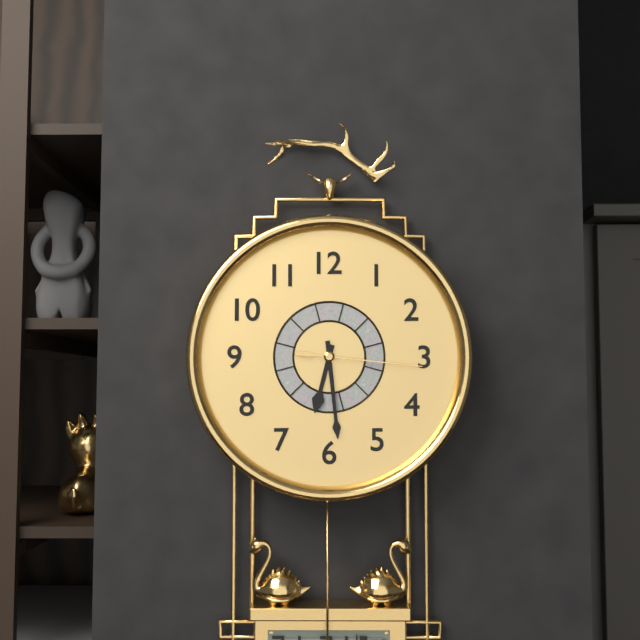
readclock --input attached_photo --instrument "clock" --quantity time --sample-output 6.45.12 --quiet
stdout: 6.29.16
